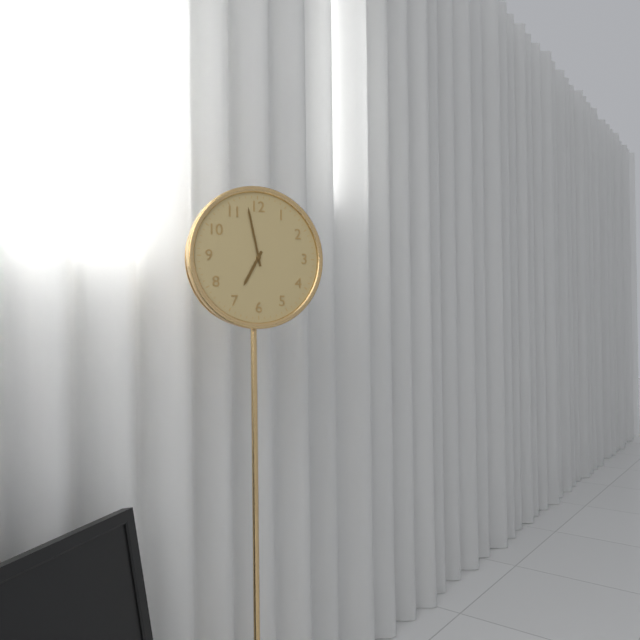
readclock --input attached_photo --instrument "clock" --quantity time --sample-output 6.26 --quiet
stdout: 6.58
